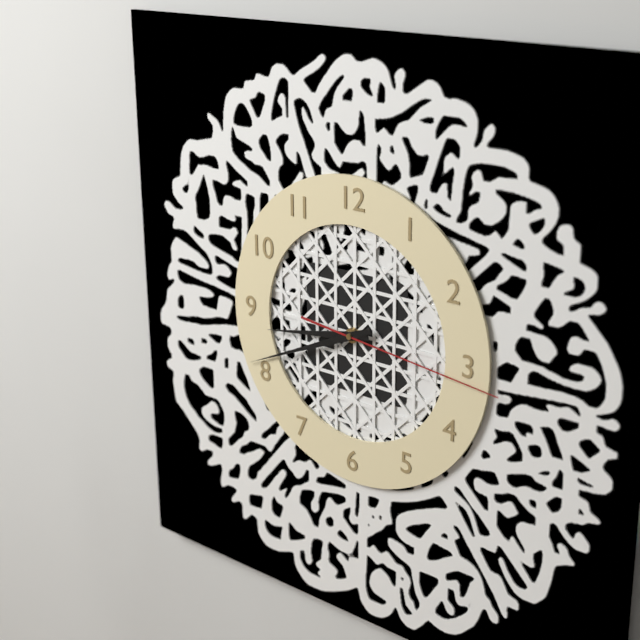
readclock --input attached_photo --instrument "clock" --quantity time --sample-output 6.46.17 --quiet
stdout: 8.41.16
